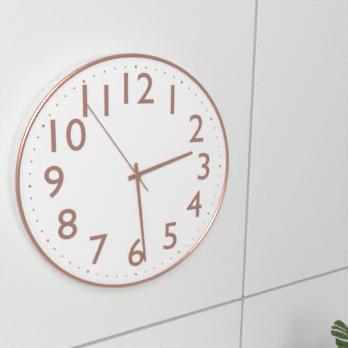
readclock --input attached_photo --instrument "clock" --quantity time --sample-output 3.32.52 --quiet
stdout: 2.29.54
